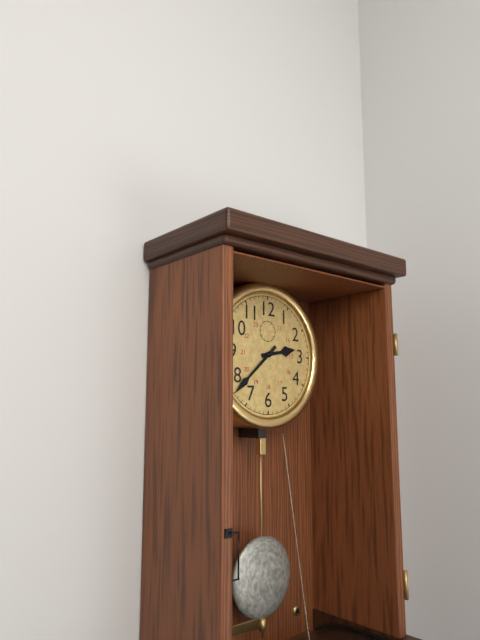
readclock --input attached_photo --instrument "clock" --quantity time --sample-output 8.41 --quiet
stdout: 2.38
